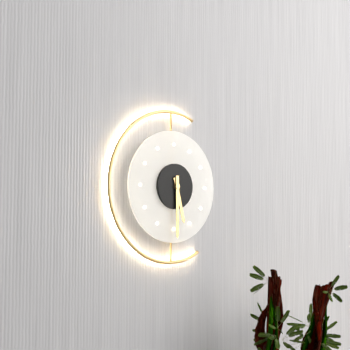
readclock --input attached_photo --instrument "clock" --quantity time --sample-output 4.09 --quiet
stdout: 5.30
